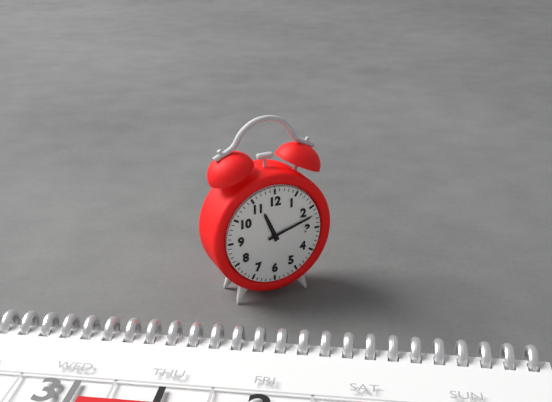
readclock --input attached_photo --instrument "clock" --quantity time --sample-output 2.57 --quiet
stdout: 11.12
